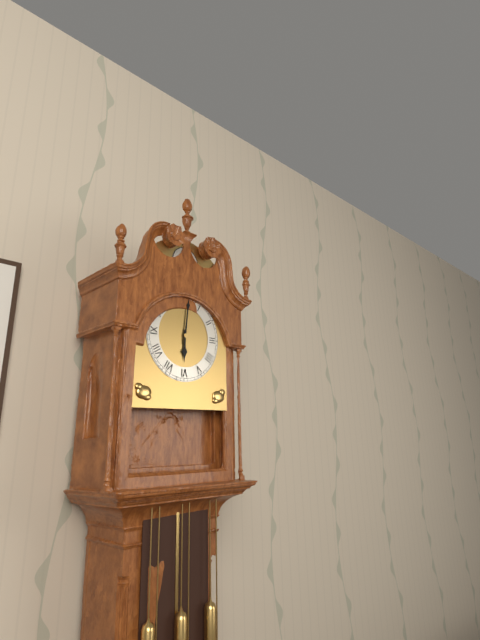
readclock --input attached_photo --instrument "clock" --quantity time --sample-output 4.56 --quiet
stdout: 6.01
